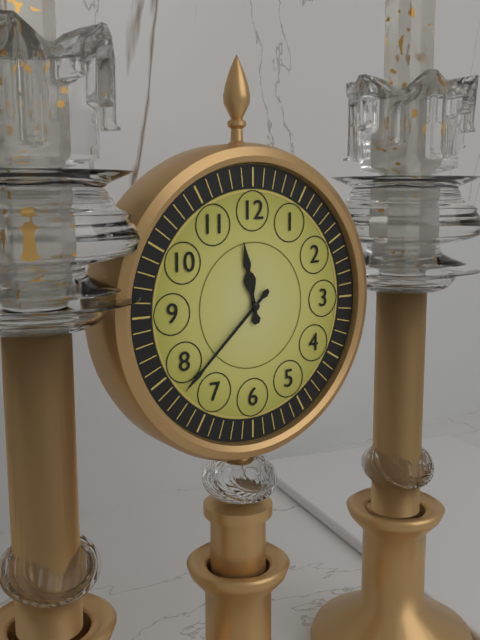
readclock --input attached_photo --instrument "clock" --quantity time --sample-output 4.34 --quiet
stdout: 11.38
